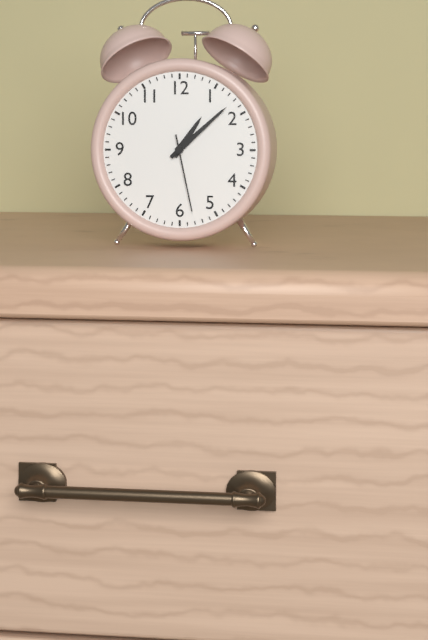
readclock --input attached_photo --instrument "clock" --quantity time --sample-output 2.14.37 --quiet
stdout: 1.08.28
